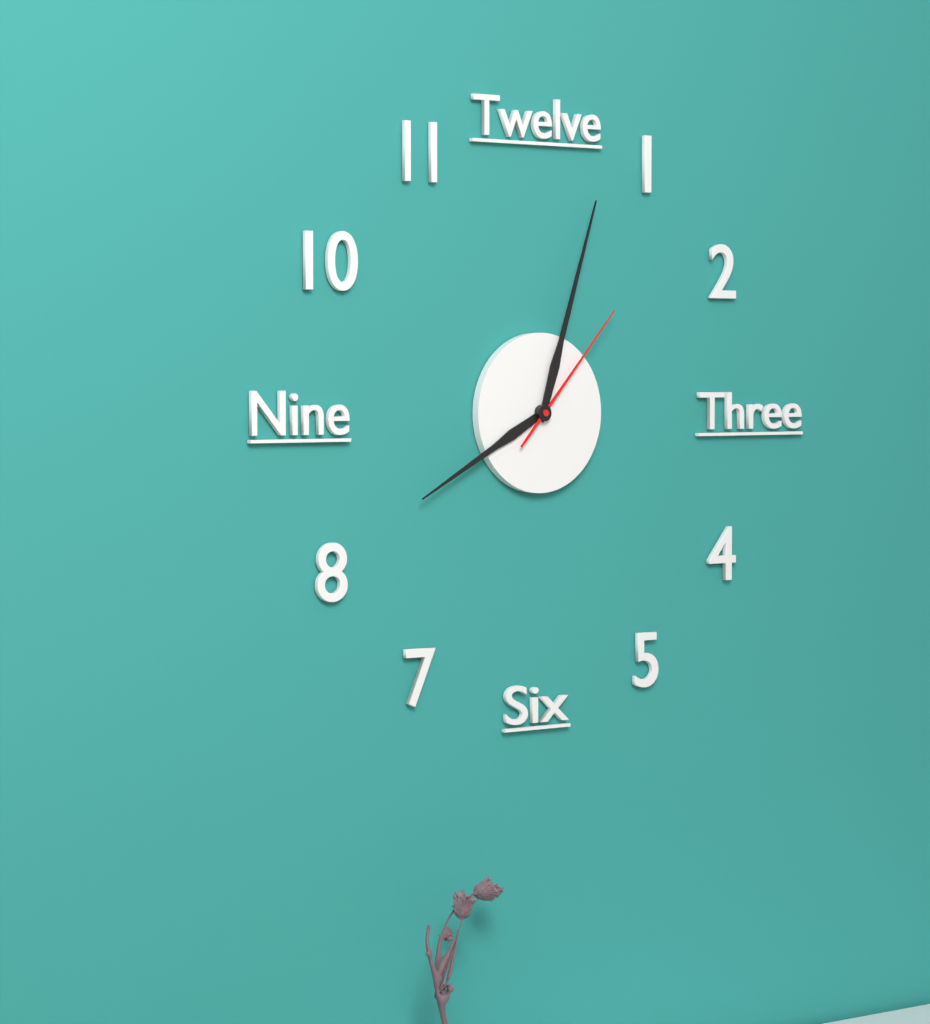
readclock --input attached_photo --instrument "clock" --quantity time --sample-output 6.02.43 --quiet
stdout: 8.03.07
